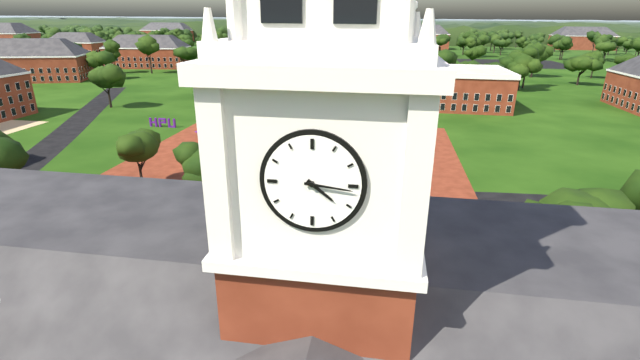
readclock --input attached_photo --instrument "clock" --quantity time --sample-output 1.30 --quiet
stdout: 4.16
